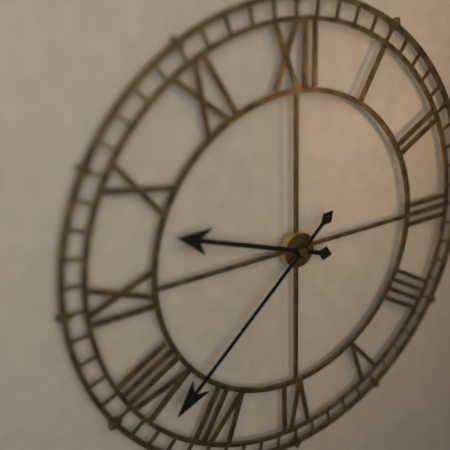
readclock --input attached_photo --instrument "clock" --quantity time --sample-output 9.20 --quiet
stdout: 9.38
